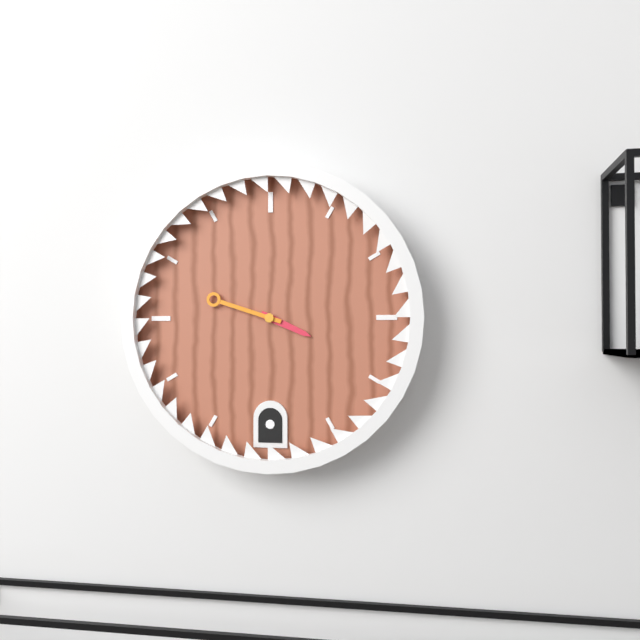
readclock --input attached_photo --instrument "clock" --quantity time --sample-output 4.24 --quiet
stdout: 3.48
